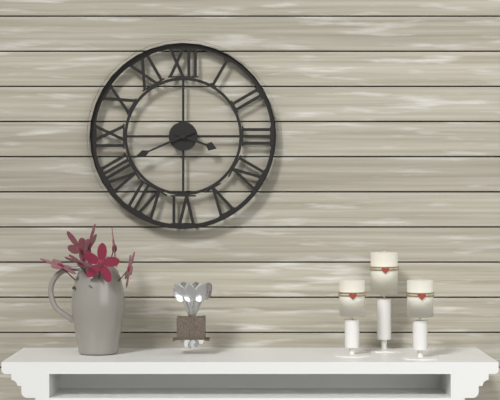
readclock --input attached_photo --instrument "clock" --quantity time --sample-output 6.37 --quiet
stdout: 3.41
